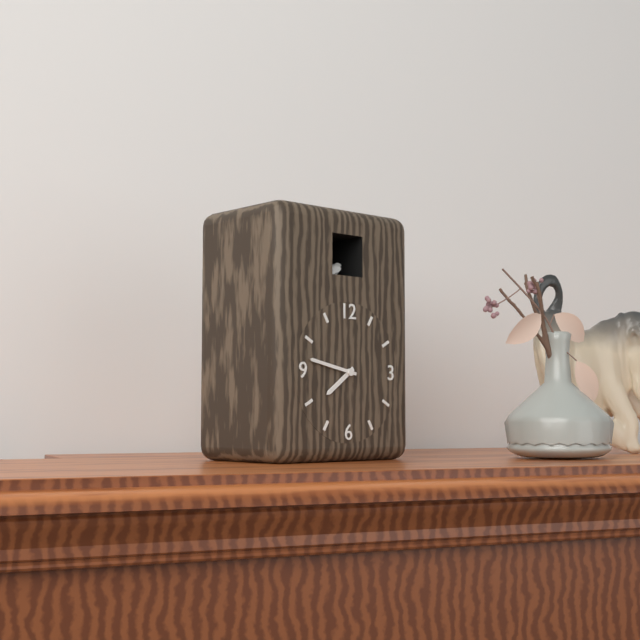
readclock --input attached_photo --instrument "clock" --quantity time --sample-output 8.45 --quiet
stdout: 7.47
